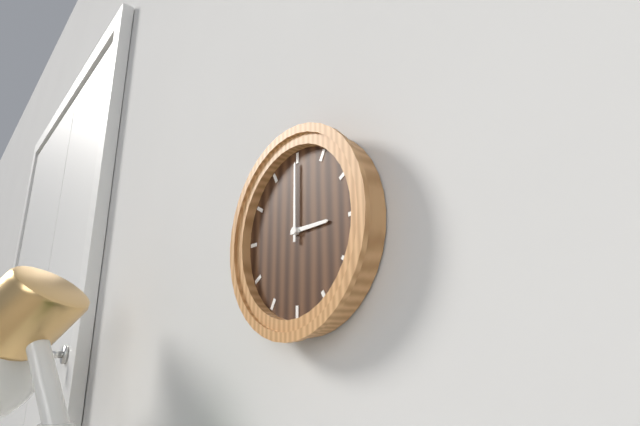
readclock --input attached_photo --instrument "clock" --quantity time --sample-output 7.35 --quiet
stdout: 3.00
